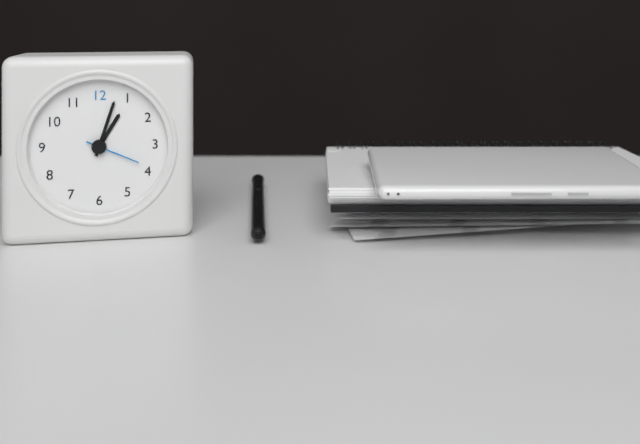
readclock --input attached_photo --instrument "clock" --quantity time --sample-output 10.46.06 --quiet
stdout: 1.03.19
